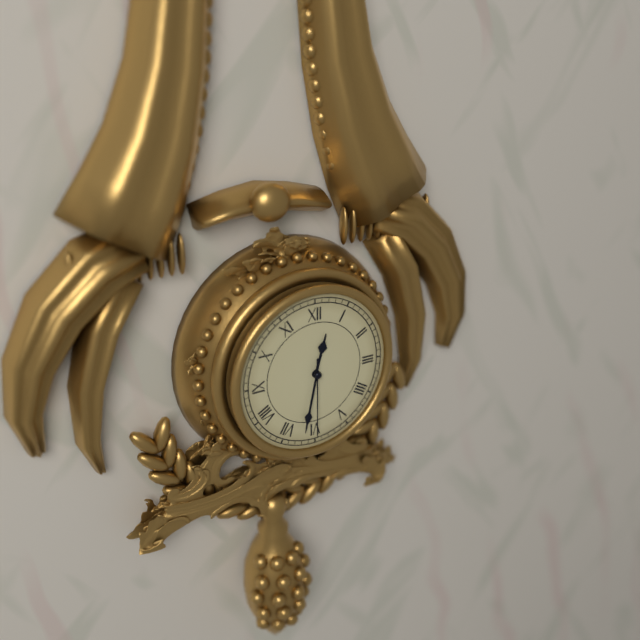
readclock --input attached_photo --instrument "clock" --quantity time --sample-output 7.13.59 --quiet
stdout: 12.32.30
